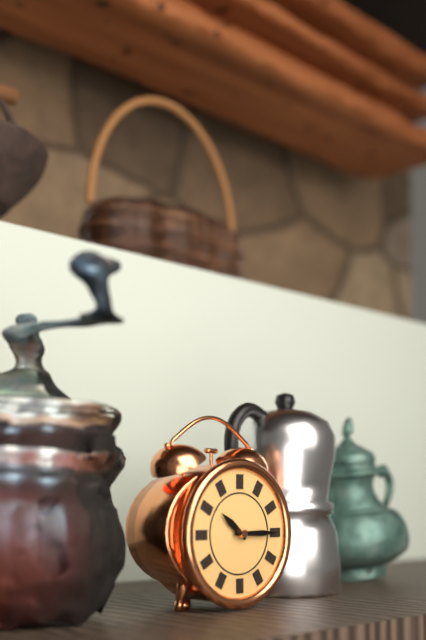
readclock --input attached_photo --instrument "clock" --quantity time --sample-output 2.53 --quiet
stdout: 10.15
